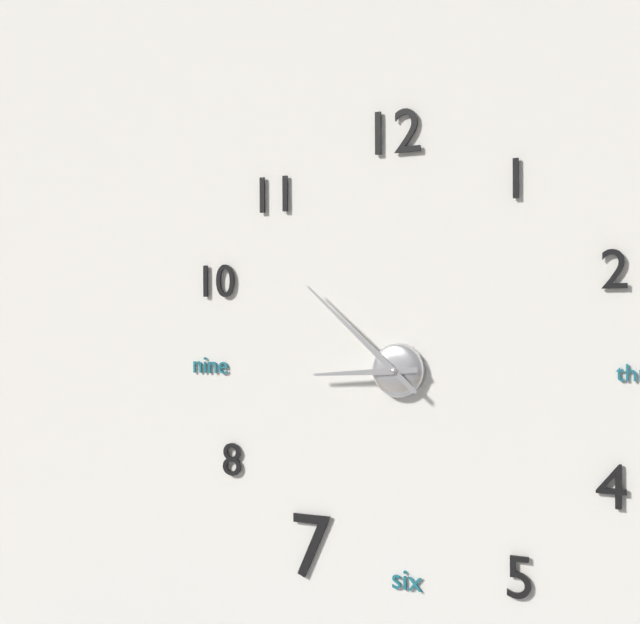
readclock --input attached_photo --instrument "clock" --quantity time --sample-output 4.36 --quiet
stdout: 8.52
